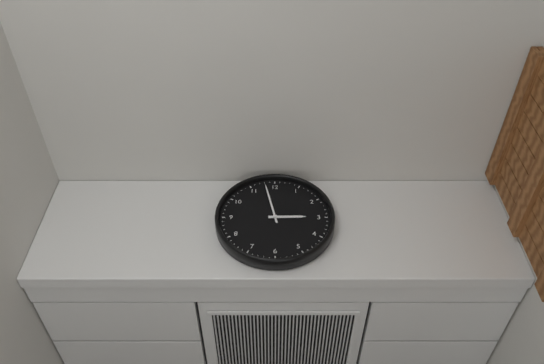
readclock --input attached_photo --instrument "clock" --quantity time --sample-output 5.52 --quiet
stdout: 2.58
